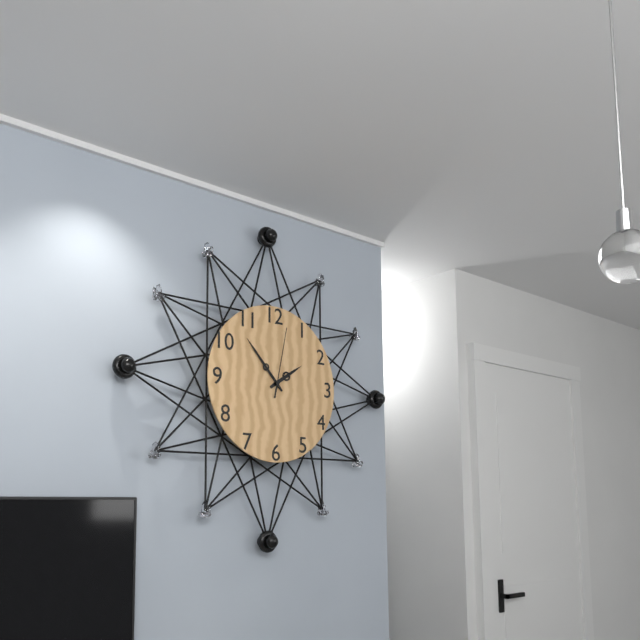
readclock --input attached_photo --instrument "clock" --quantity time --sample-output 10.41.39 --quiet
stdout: 1.53.02
